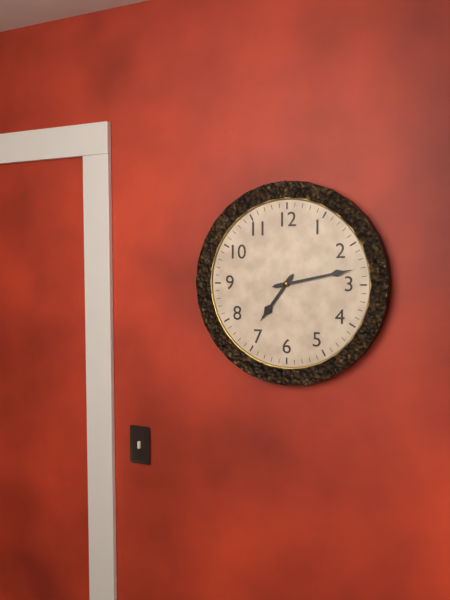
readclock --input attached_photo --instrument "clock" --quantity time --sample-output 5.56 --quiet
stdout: 7.13
